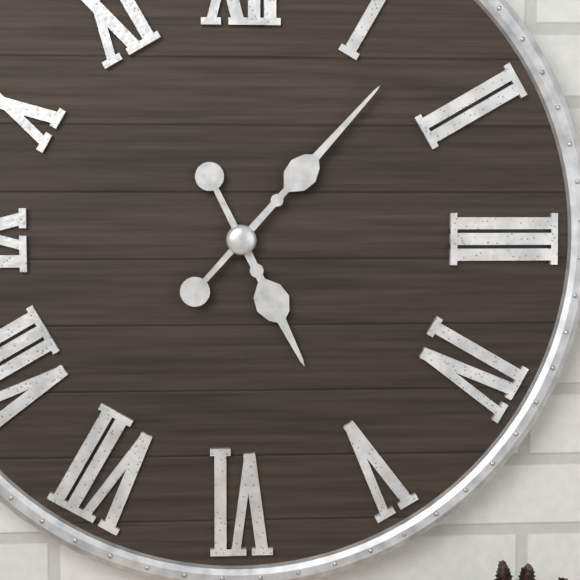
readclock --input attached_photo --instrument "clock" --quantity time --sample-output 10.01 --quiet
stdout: 5.07
